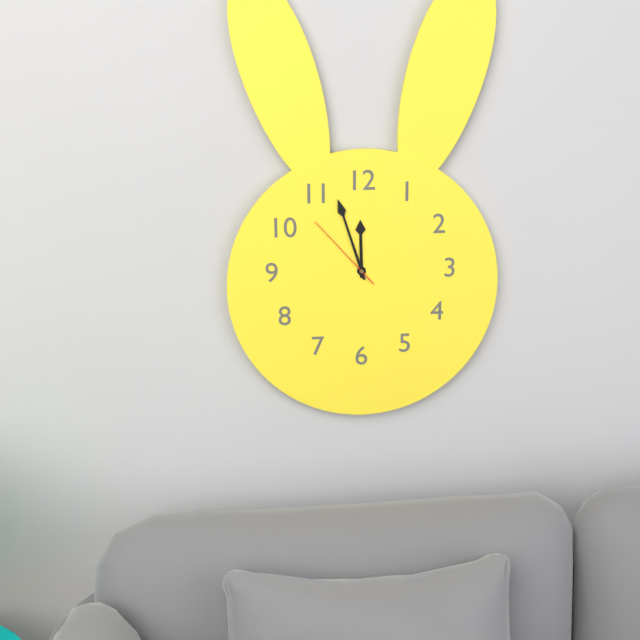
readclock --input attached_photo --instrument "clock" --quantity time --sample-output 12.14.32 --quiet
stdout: 11.57.53
